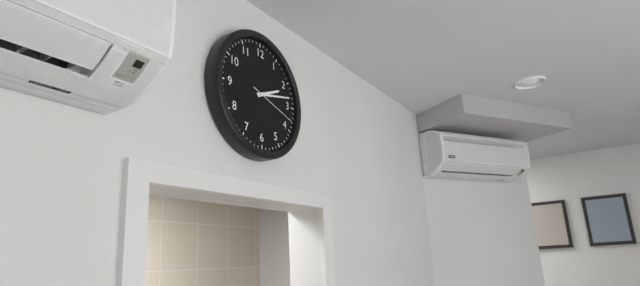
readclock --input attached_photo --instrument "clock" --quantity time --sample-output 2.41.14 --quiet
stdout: 2.13.18
